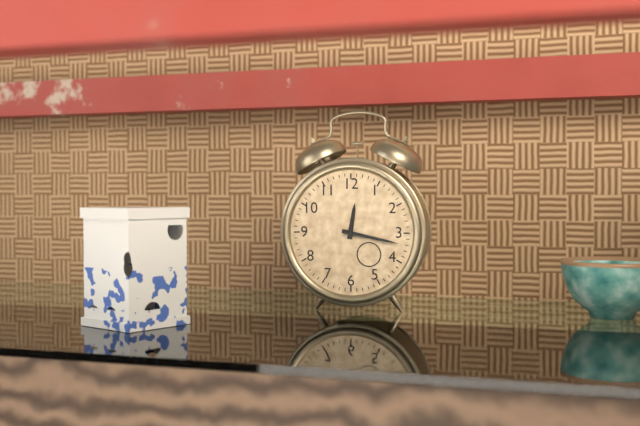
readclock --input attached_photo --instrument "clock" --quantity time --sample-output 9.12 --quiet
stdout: 12.17
